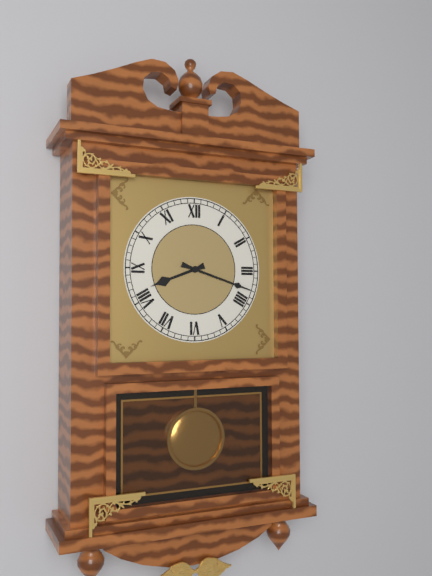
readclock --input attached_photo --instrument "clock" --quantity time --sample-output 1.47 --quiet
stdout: 8.18
